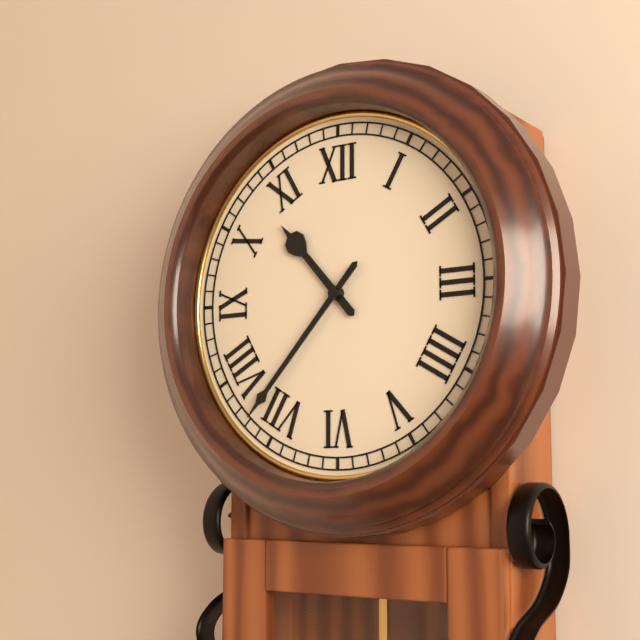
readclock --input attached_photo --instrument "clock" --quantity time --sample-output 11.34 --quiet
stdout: 10.37
